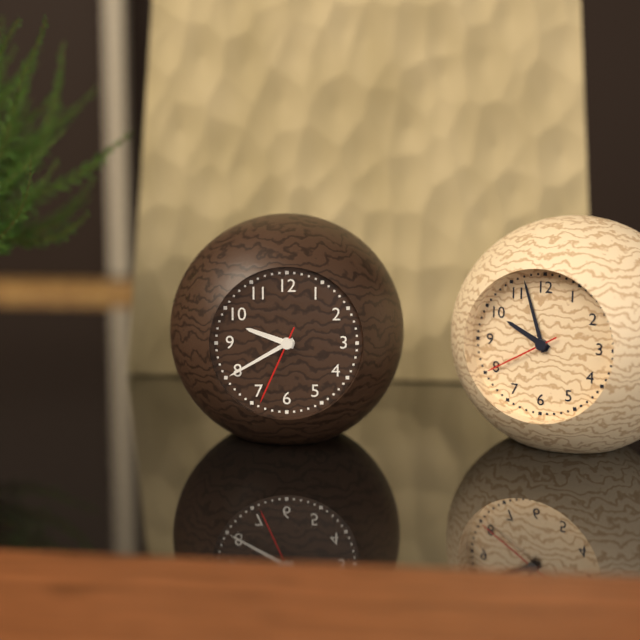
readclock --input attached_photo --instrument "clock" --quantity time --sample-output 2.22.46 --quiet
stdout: 9.40.34
